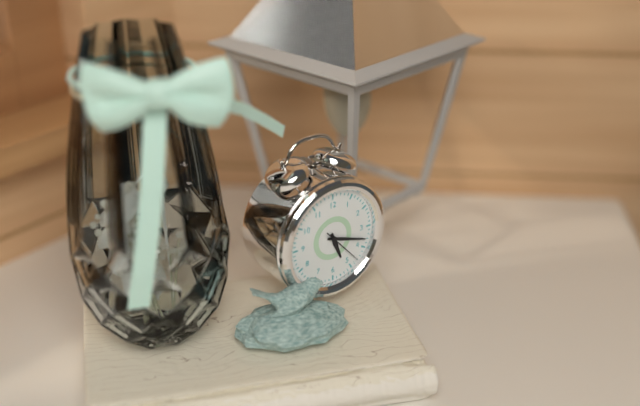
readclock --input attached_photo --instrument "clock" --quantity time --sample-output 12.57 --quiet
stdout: 5.18
